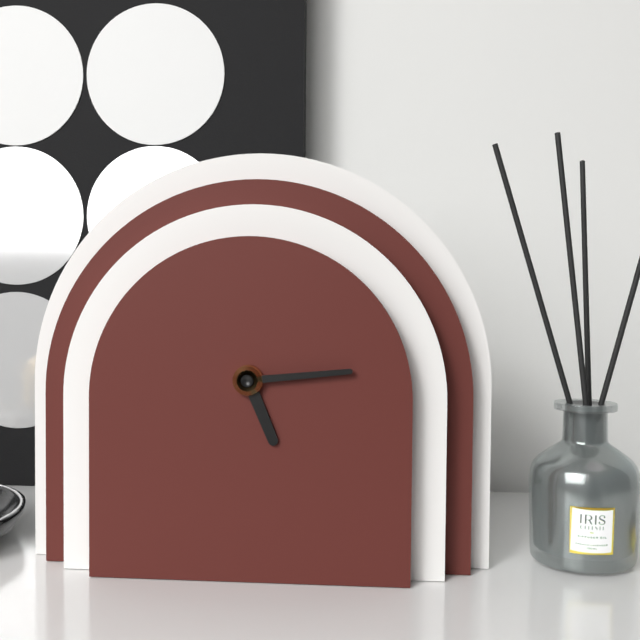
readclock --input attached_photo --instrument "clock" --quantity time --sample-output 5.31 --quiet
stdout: 5.14
